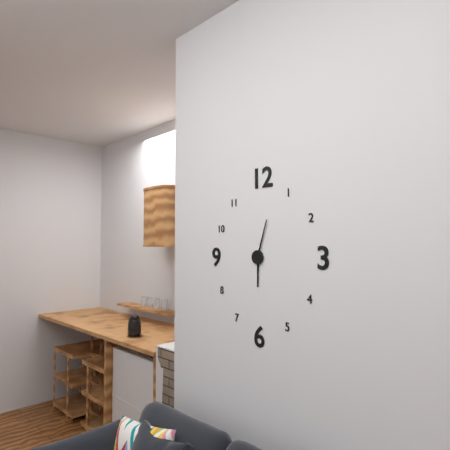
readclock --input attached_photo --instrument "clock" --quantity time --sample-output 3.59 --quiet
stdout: 6.03
